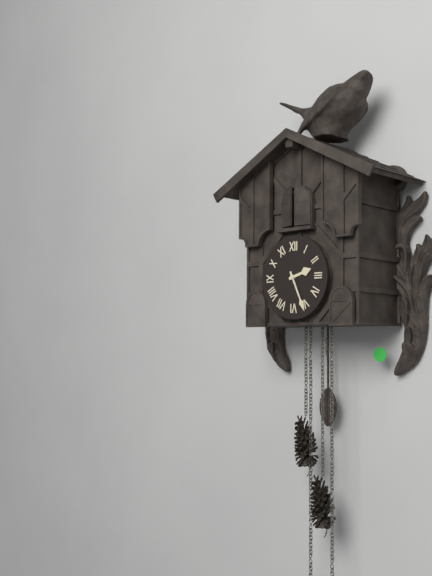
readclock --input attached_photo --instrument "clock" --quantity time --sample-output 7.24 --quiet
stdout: 2.26
